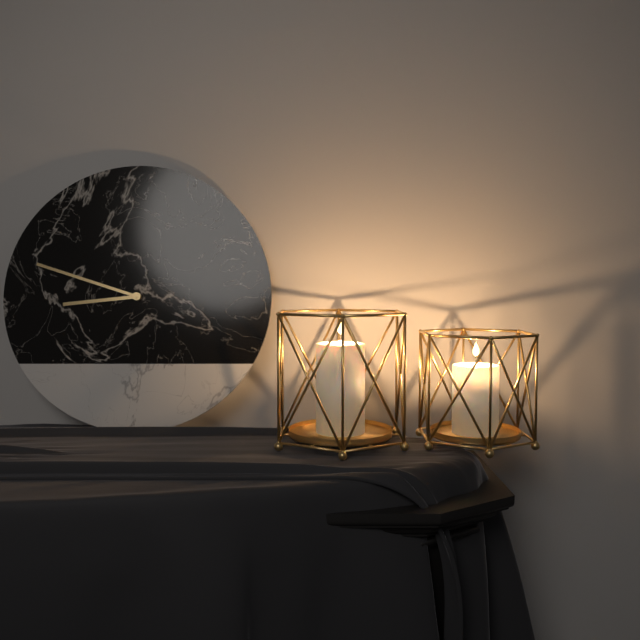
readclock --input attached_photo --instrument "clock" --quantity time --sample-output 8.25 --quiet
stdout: 8.48
